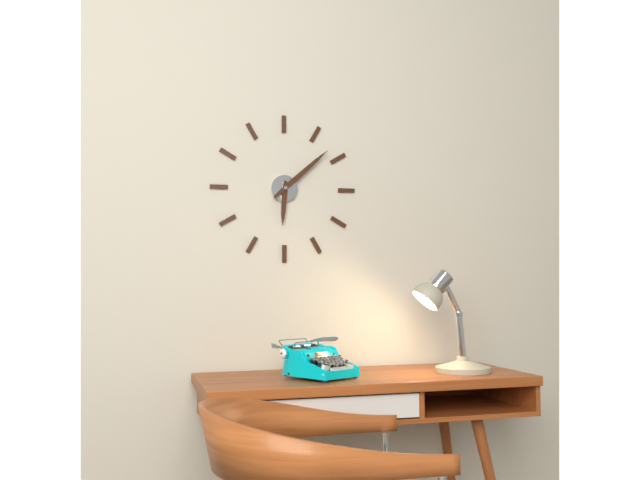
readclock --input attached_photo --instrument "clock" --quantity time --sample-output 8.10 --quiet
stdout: 6.08
